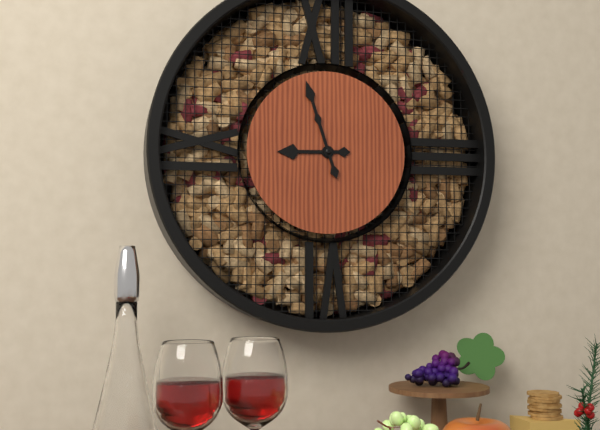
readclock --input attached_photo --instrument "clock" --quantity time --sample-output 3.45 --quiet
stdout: 8.57
